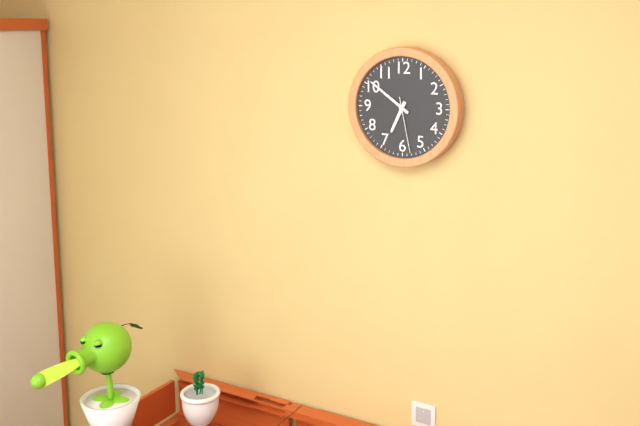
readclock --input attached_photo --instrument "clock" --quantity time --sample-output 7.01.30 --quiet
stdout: 6.51.28
